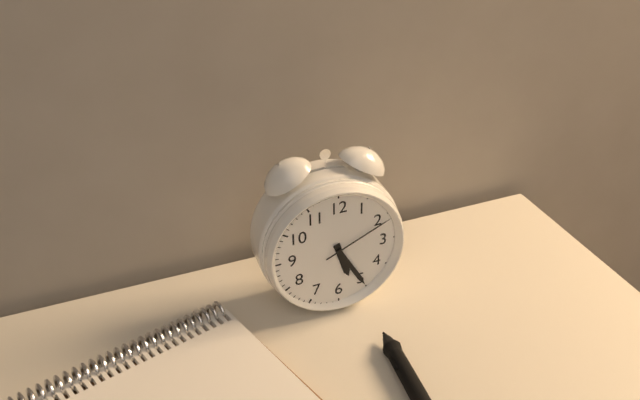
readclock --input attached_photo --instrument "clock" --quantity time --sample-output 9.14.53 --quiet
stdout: 5.25.11
